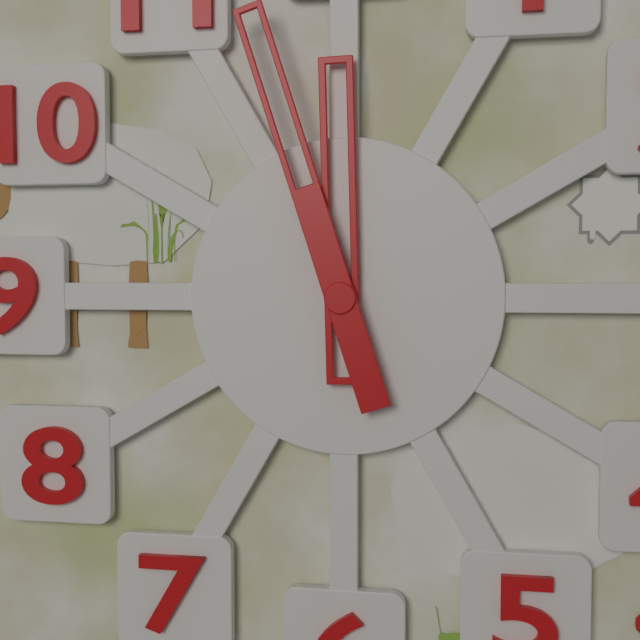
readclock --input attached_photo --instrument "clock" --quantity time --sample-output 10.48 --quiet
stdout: 11.57
